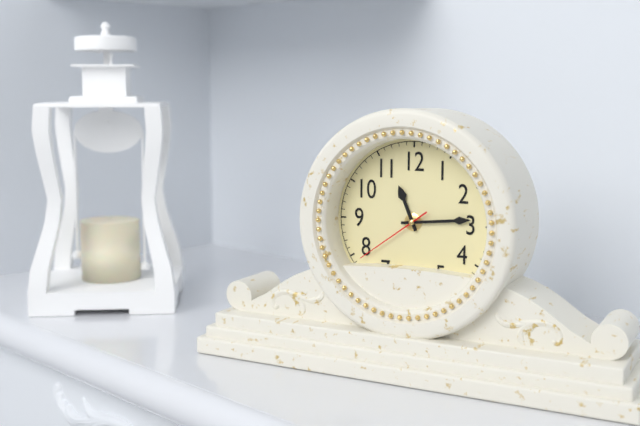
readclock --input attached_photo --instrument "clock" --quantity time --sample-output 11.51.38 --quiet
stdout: 11.14.39
